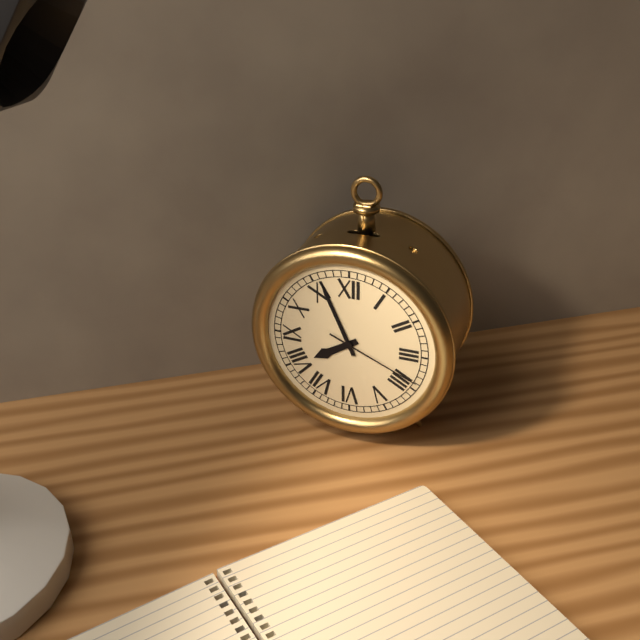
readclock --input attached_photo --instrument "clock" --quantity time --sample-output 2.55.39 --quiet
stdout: 7.56.19
